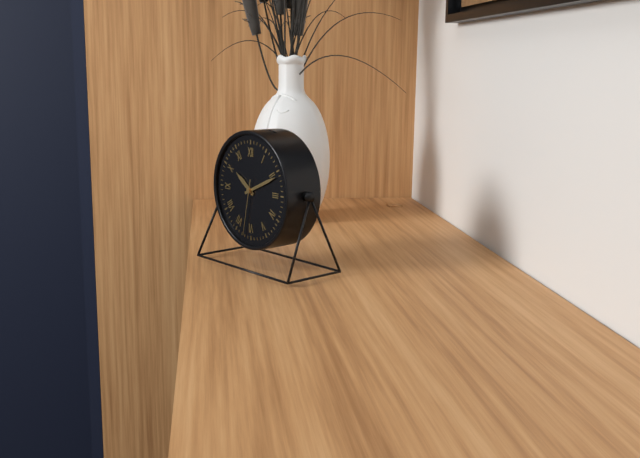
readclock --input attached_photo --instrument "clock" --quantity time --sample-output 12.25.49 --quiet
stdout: 10.11.32
